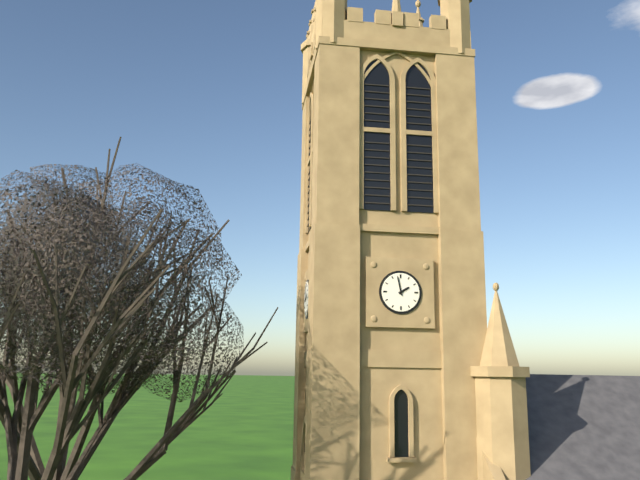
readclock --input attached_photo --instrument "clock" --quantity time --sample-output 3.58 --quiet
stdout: 1.58
